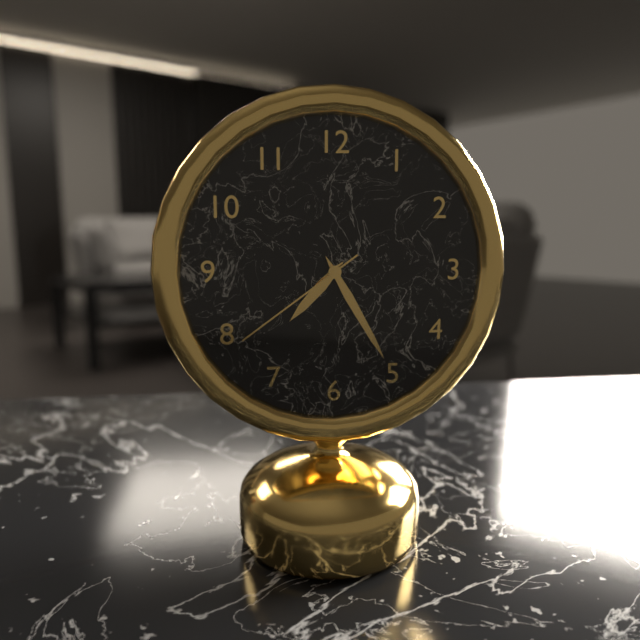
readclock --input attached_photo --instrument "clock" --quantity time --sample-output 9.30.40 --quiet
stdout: 7.25.39
